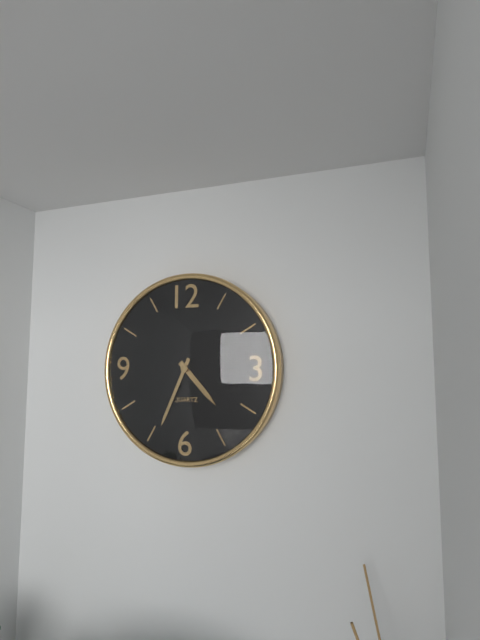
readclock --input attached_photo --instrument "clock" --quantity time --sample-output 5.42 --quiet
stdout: 4.34
